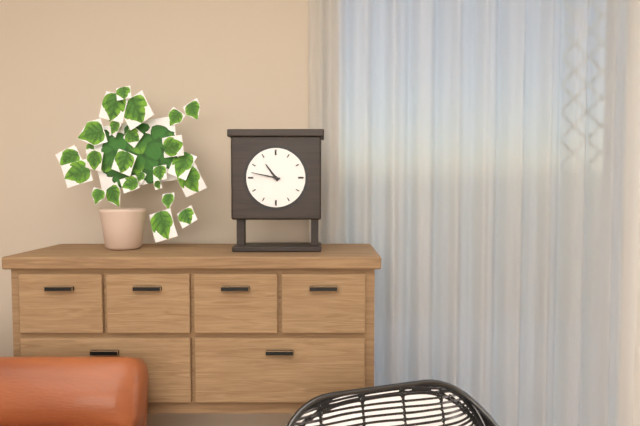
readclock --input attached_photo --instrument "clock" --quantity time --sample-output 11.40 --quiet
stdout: 10.47
